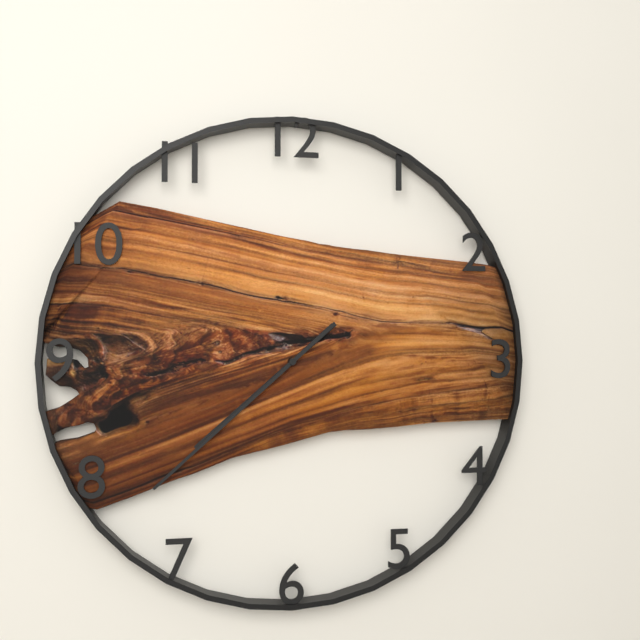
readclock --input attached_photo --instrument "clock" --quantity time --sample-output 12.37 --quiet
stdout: 7.38
